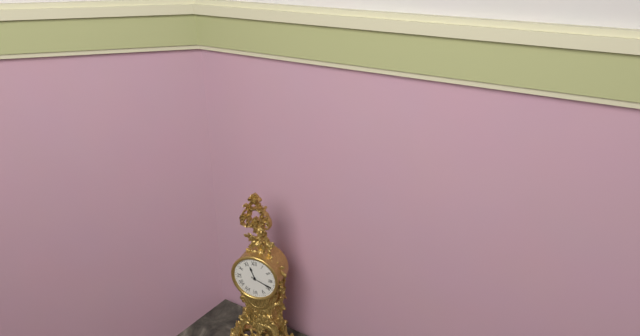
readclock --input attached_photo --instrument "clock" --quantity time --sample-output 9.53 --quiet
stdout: 11.19
